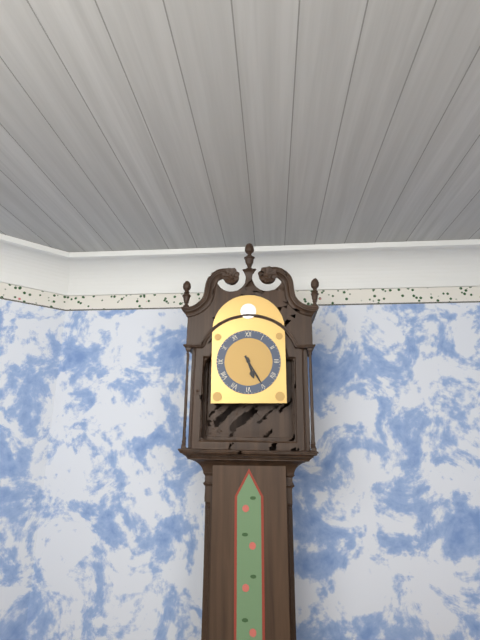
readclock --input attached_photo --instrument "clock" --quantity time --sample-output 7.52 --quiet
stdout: 5.25
